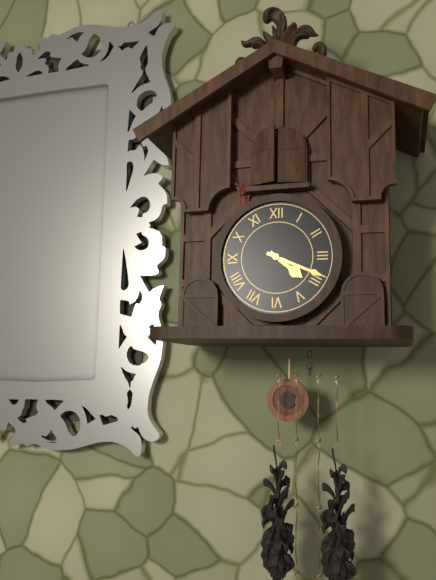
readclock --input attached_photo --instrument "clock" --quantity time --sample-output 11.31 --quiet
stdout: 4.19
